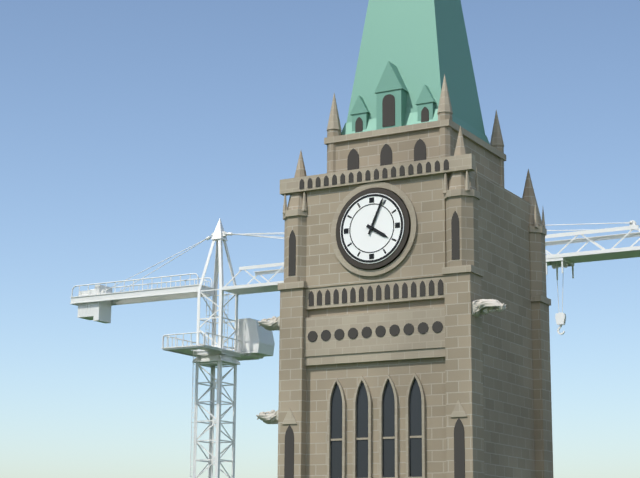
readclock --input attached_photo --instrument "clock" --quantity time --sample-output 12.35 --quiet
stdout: 4.04
